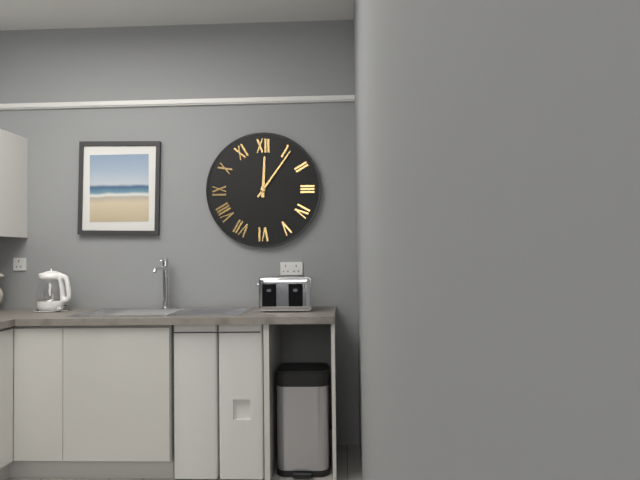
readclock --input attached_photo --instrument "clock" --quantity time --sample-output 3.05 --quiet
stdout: 12.06
